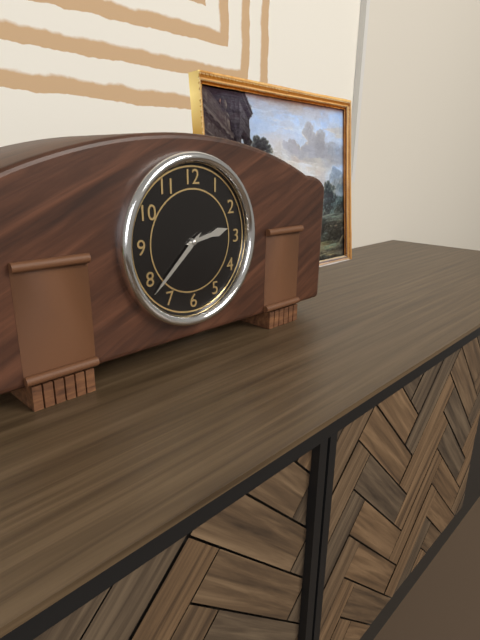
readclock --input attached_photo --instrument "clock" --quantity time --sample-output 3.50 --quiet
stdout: 2.38
